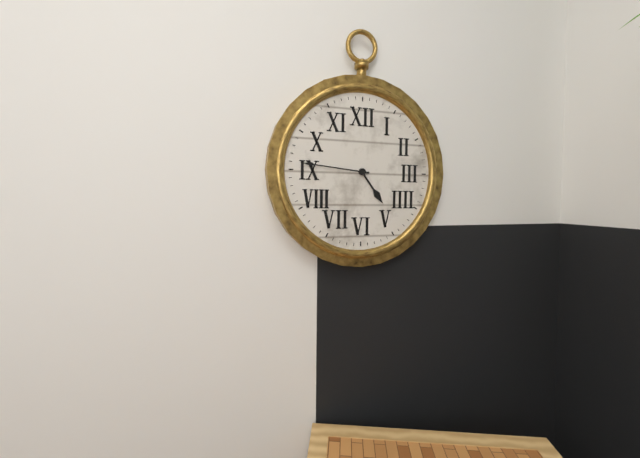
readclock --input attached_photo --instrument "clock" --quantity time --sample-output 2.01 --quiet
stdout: 4.46
